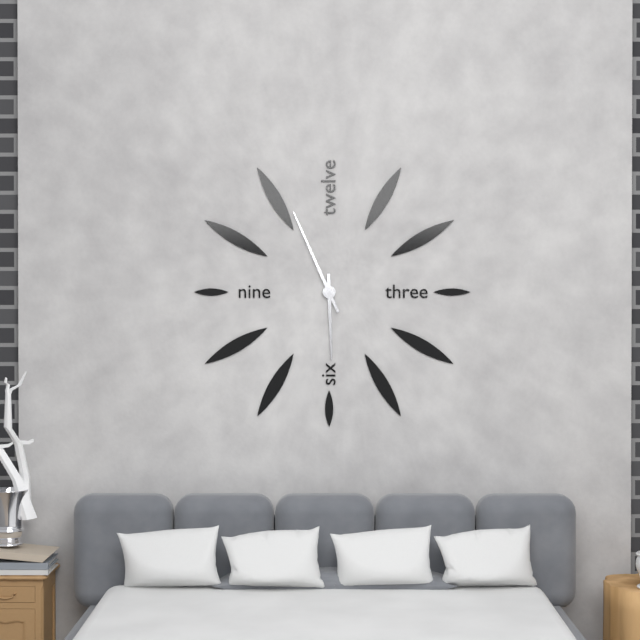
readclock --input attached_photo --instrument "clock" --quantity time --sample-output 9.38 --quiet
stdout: 5.56
